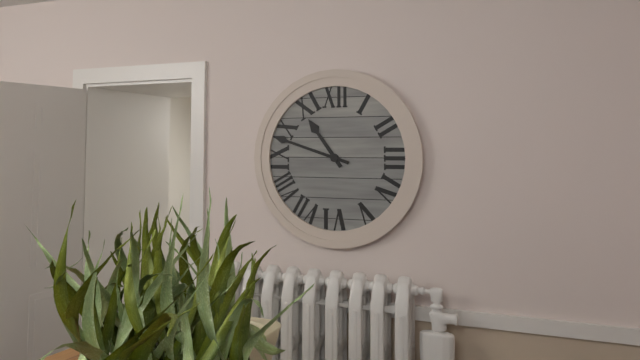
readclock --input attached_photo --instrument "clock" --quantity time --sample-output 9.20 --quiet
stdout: 10.48
